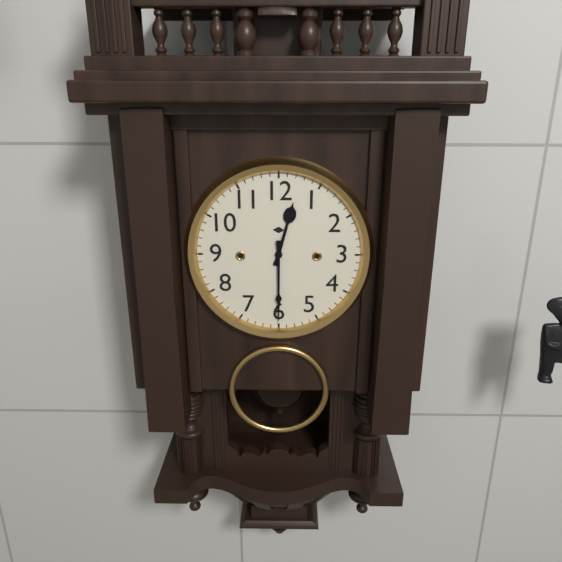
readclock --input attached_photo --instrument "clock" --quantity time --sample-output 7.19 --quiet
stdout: 12.30
